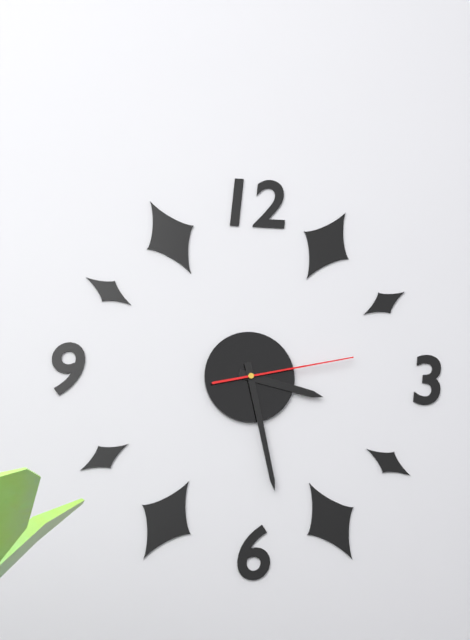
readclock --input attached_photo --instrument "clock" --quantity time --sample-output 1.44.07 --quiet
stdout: 3.28.13
